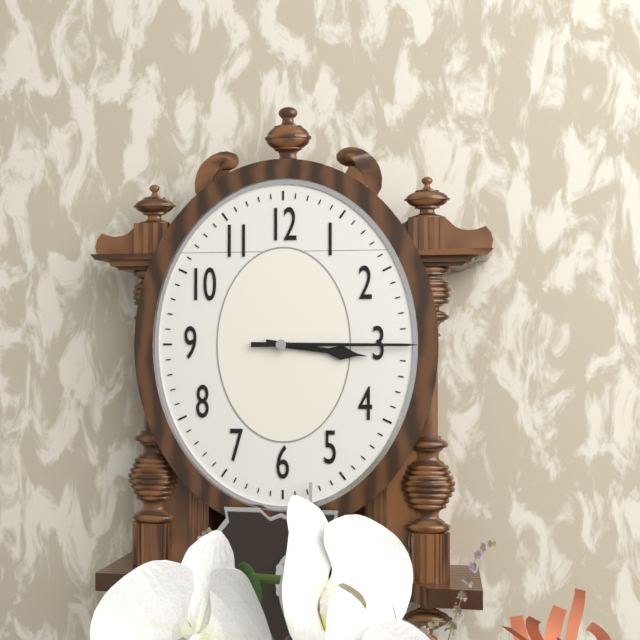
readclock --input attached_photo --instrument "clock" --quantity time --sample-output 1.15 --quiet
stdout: 3.15
